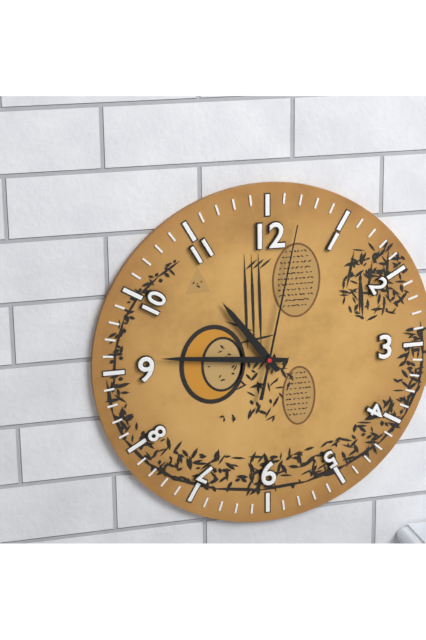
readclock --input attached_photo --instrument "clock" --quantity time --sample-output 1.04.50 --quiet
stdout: 10.46.02
